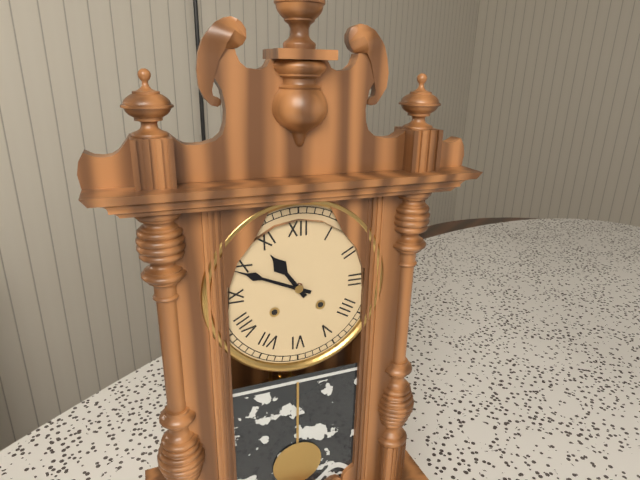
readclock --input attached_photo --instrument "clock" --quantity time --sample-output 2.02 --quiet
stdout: 10.49
